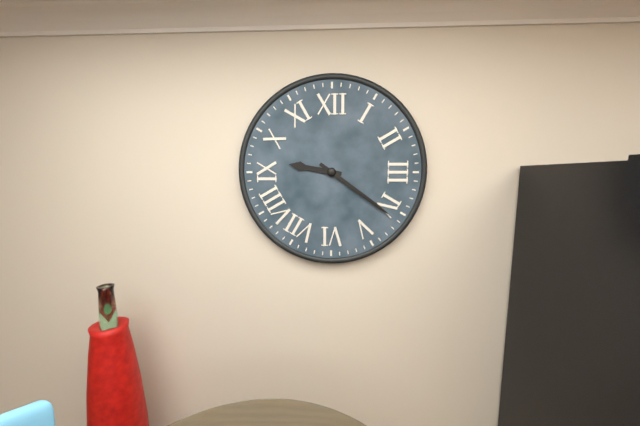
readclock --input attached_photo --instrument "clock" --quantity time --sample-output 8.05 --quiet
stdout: 9.21
